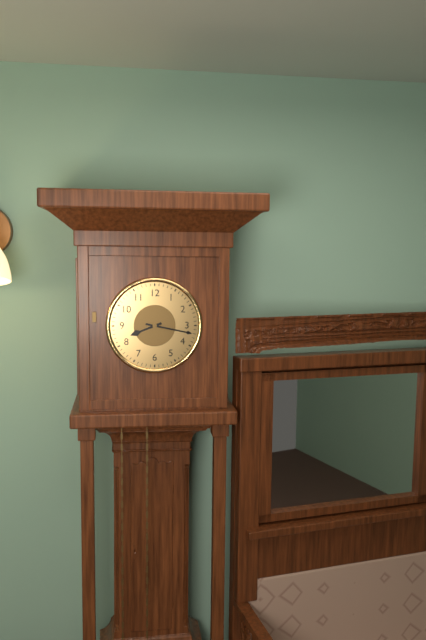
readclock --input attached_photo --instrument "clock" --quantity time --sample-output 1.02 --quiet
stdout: 8.17
